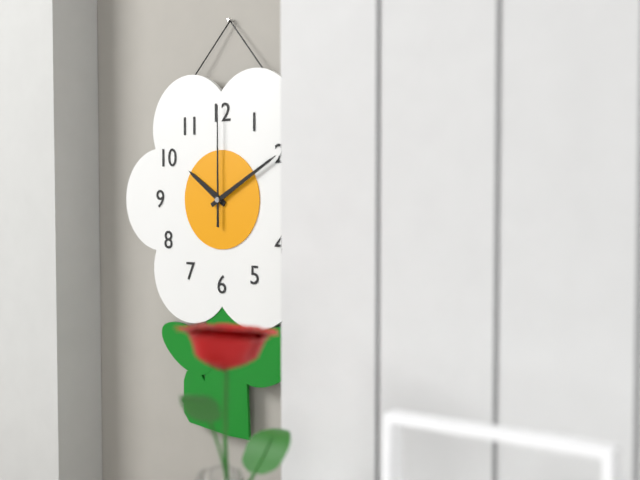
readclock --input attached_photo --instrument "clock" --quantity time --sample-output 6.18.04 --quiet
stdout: 10.10.00
